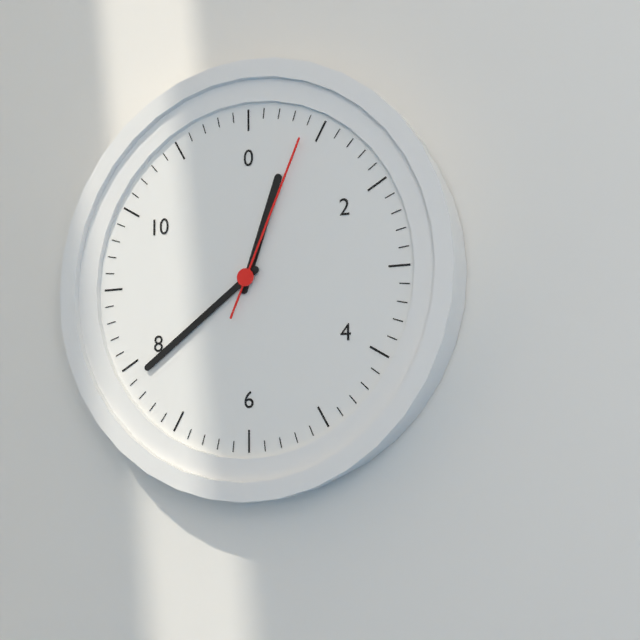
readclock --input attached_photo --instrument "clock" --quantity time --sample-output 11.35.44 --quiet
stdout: 12.39.04
